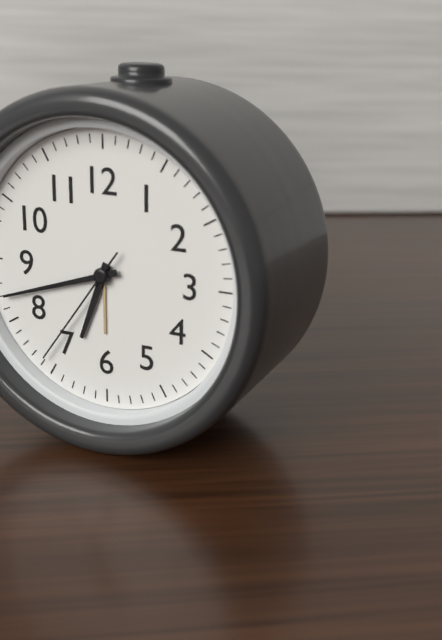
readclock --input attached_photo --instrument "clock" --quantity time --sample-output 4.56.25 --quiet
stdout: 6.42.36
